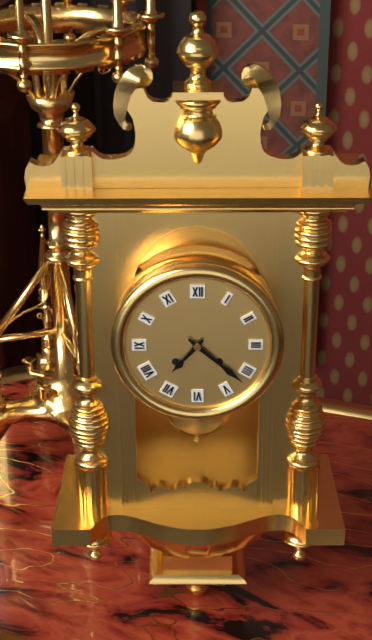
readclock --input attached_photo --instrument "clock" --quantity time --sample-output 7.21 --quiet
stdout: 7.22
